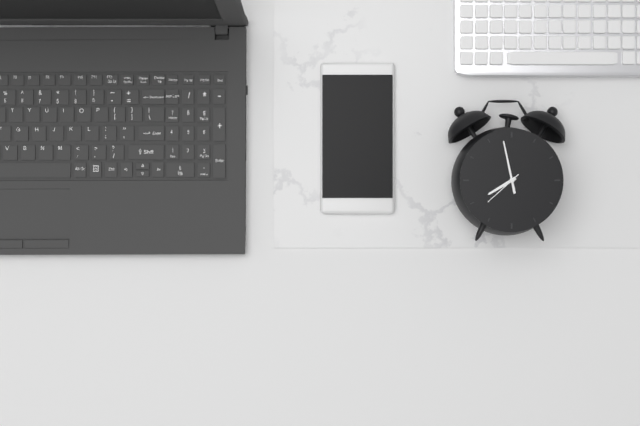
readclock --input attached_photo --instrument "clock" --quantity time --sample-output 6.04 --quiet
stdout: 7.58
